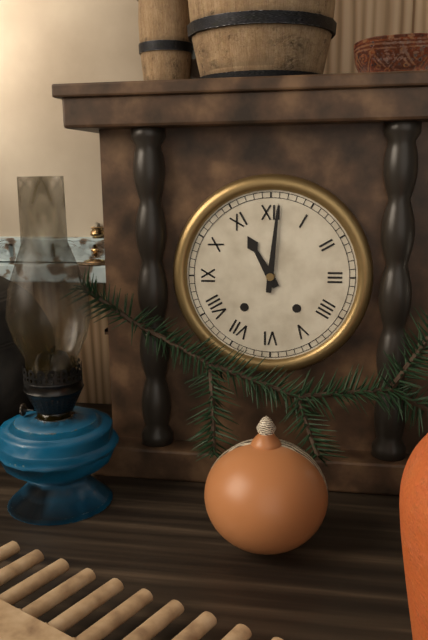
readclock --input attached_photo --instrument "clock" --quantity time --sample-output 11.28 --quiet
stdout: 11.01
